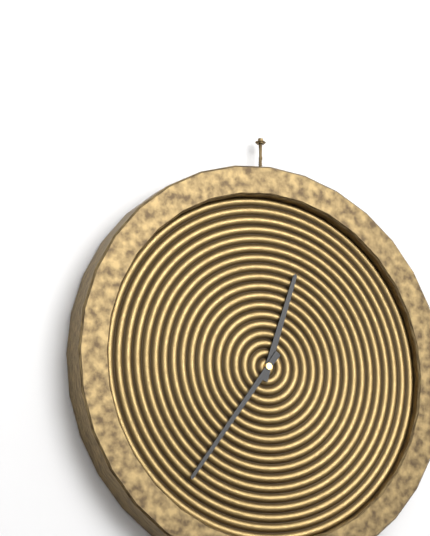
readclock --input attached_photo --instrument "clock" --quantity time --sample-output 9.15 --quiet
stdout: 12.36
